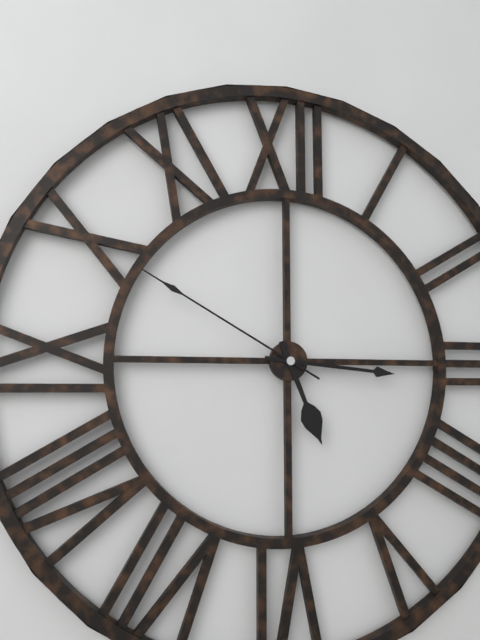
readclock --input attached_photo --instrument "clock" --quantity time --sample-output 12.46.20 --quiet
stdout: 5.16.50
